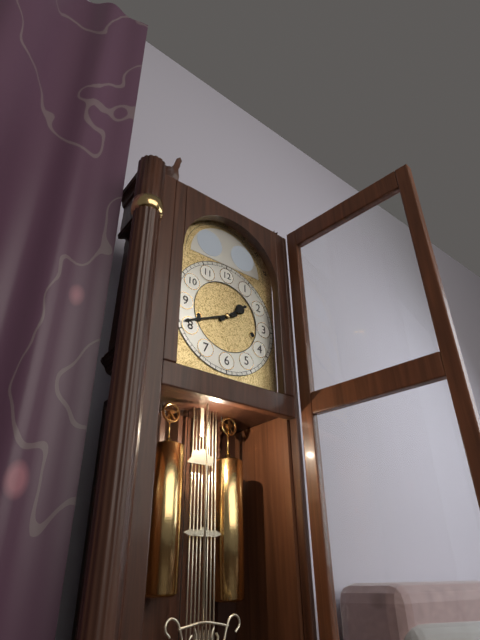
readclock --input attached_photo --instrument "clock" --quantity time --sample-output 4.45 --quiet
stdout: 1.41
